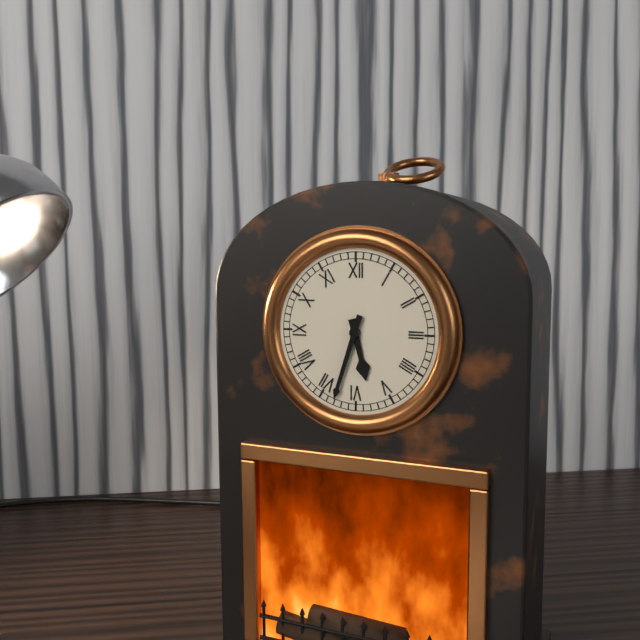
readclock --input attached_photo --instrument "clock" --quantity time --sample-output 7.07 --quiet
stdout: 5.33
